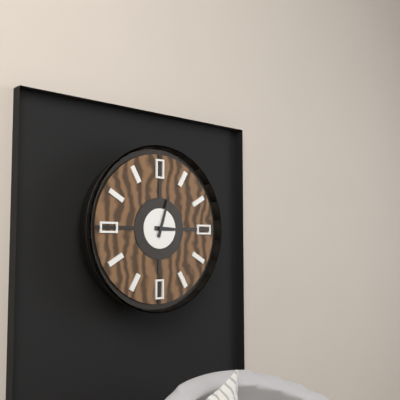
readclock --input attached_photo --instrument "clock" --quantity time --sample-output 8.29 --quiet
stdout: 3.03
